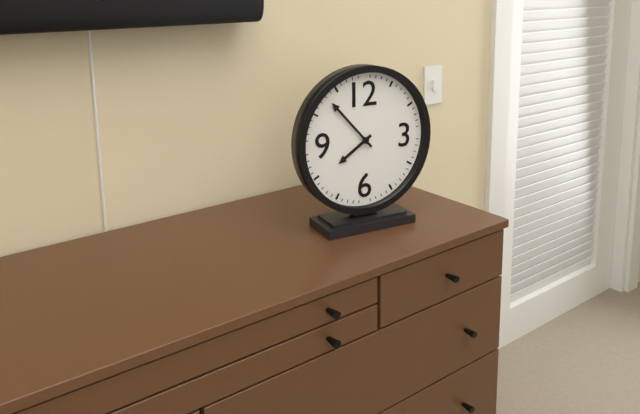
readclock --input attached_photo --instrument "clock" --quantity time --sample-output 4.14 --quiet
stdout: 7.53
